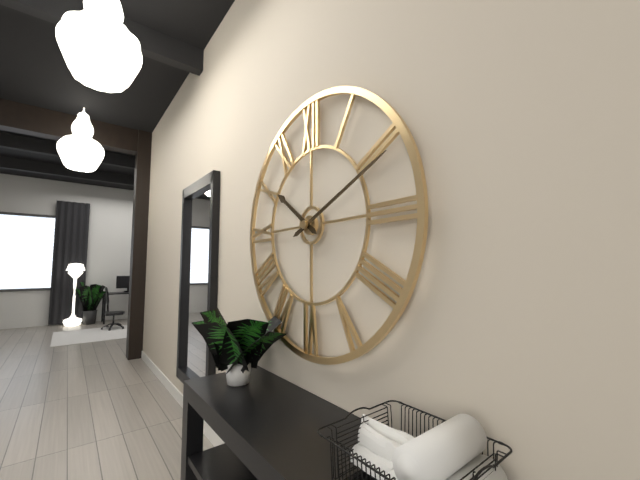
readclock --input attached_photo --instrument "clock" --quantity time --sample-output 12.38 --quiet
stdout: 10.11
